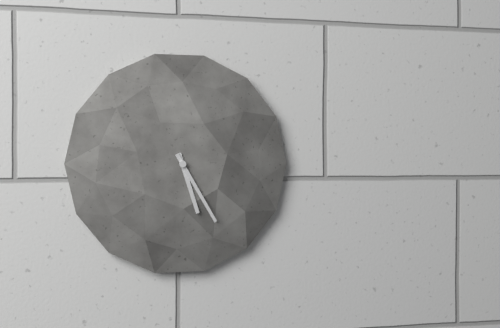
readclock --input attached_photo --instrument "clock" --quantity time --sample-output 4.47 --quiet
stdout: 5.25
